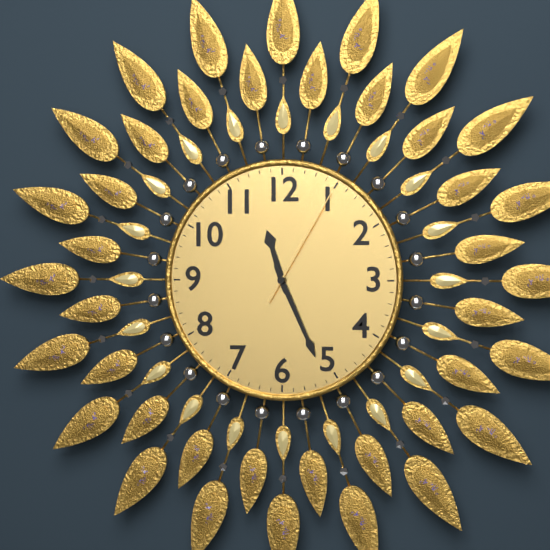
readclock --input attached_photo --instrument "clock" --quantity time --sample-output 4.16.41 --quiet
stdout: 11.26.05
